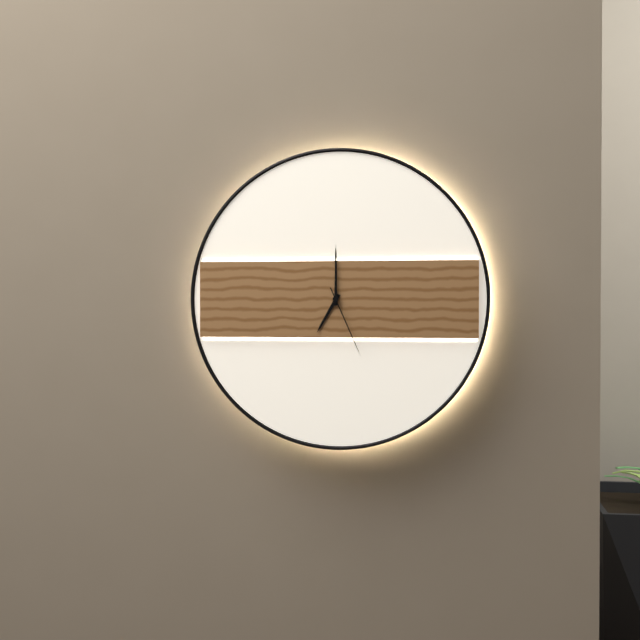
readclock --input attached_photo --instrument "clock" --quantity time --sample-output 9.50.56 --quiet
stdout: 7.00.26
